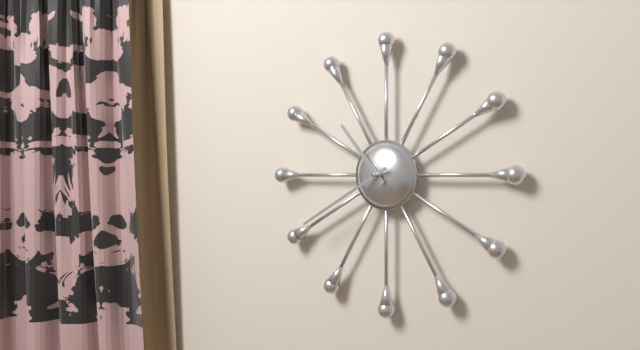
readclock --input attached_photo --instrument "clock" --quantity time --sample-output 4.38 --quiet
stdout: 10.40
